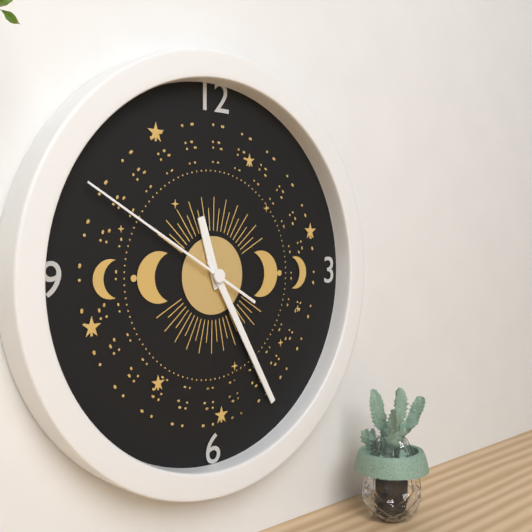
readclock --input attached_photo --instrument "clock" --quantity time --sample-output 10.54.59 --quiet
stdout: 11.25.50
